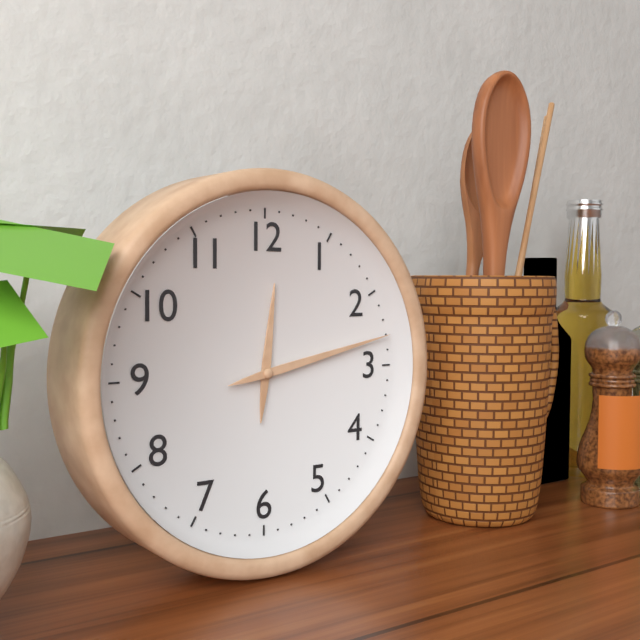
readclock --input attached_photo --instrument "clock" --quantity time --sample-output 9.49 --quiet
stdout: 12.13
